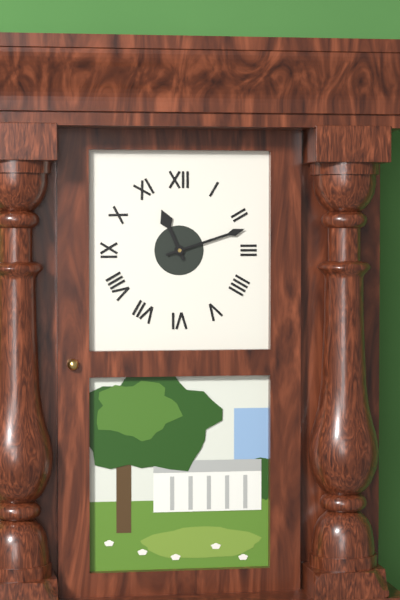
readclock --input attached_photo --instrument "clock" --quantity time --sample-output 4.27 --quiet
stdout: 11.12
